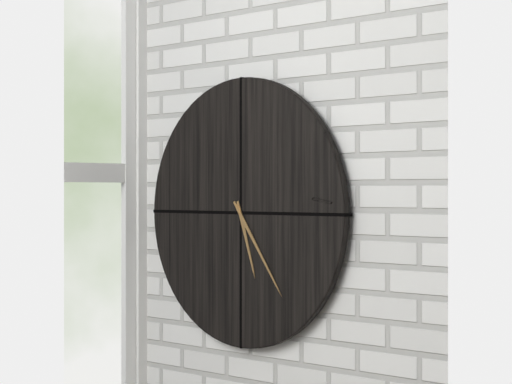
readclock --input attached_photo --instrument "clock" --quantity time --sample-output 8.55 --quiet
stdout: 5.24
